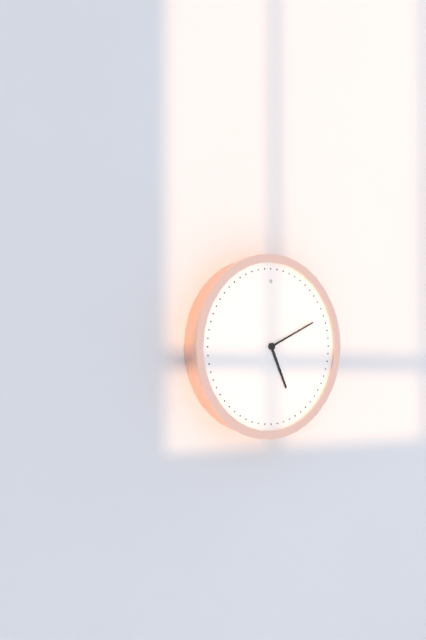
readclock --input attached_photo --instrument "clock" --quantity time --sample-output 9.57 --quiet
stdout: 5.11
